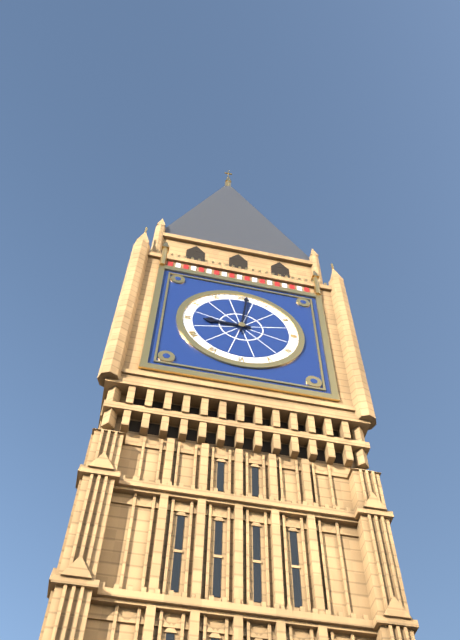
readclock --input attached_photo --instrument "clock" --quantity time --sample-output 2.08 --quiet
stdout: 9.01
